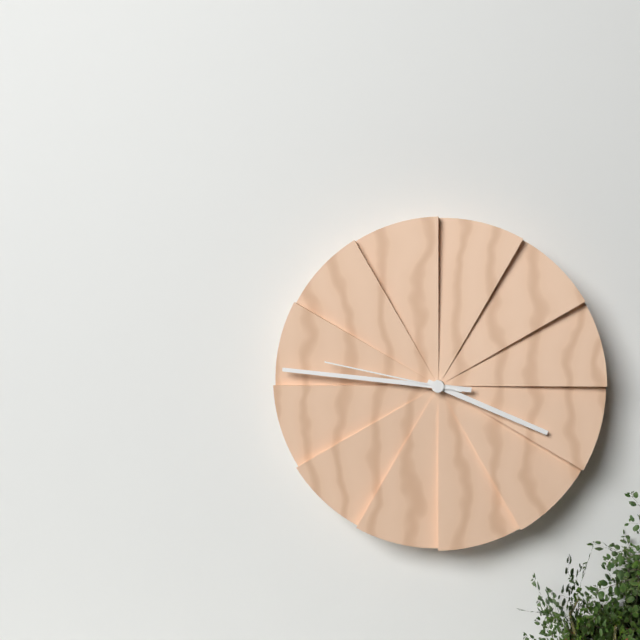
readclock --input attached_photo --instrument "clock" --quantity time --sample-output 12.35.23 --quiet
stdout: 3.46.47
